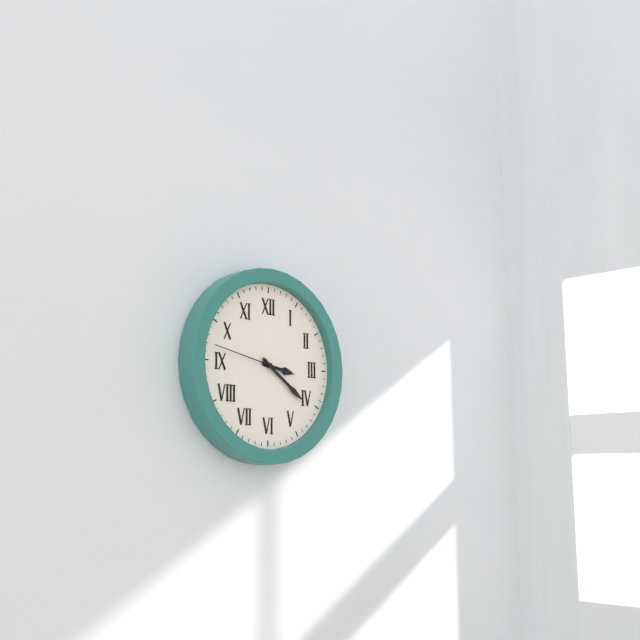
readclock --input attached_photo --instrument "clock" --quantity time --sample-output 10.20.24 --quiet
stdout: 3.21.47
